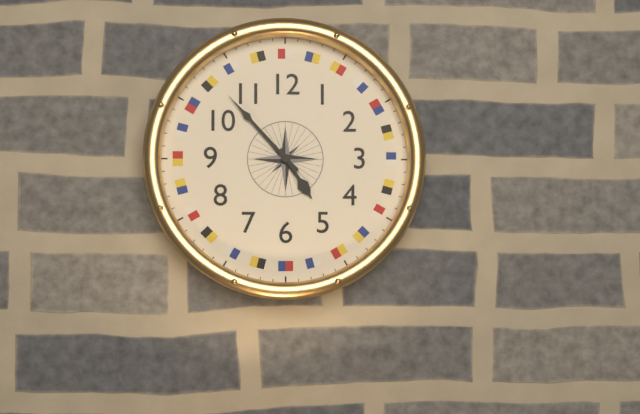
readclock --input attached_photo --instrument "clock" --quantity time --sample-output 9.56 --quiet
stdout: 4.53
